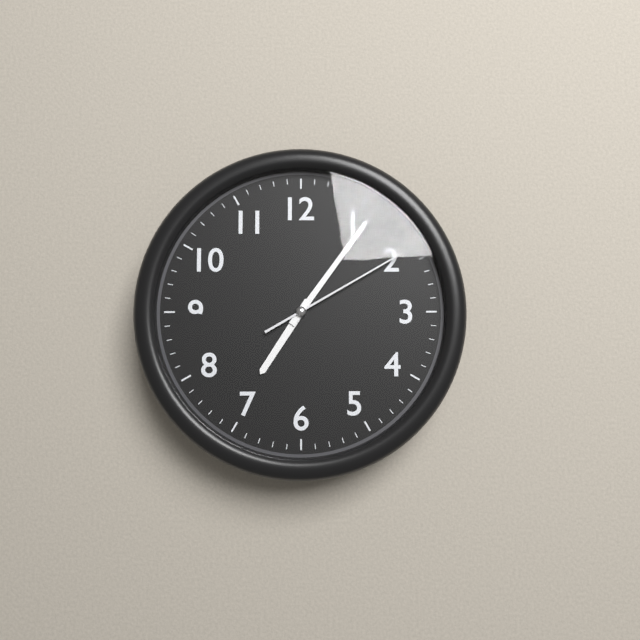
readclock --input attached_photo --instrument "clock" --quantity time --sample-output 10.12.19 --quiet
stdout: 7.06.10
